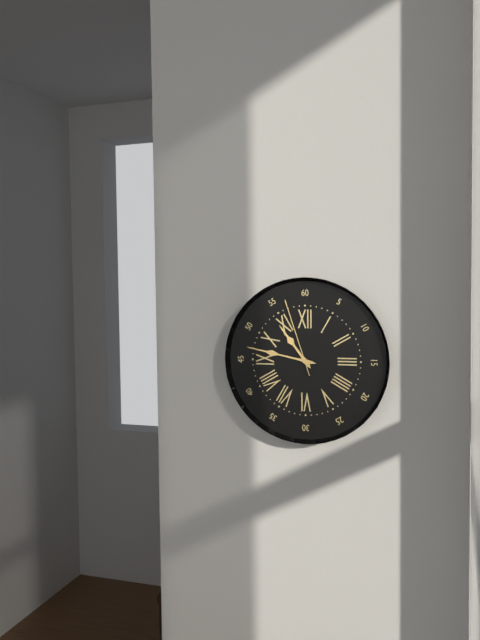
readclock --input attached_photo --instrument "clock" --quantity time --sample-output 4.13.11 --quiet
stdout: 10.47.57
